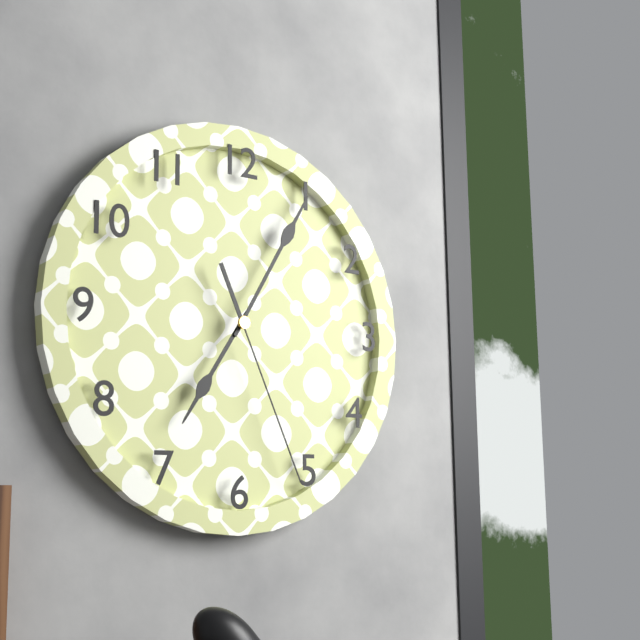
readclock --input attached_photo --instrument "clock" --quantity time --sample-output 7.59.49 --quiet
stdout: 7.05.26
